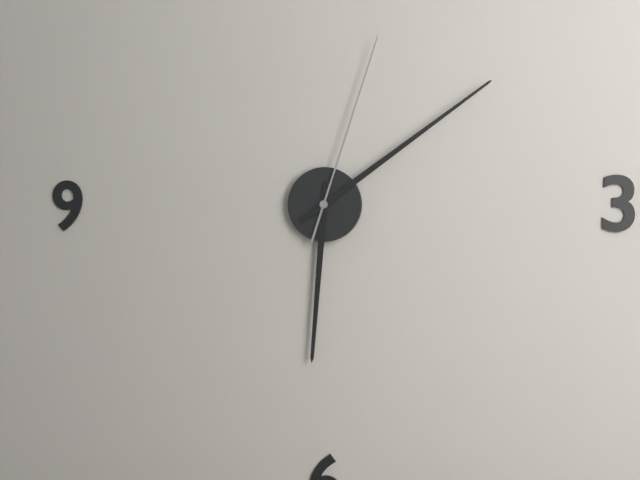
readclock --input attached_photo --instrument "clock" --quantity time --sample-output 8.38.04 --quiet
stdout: 6.09.03
